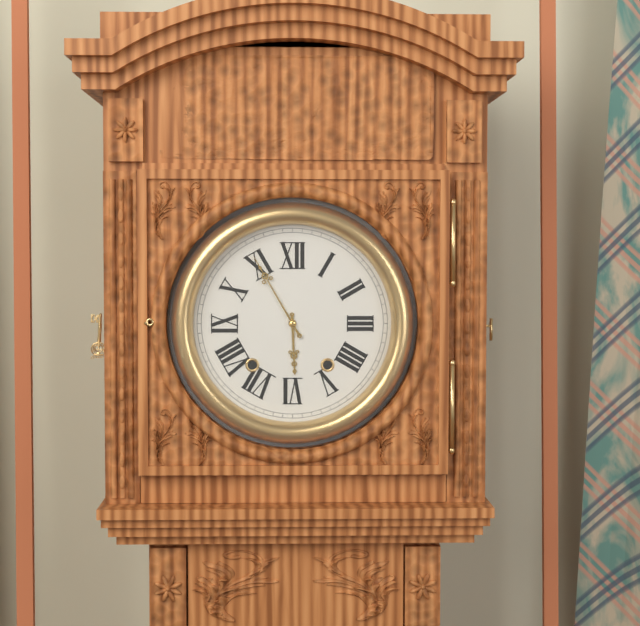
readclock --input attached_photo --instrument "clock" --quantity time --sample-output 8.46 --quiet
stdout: 5.55
